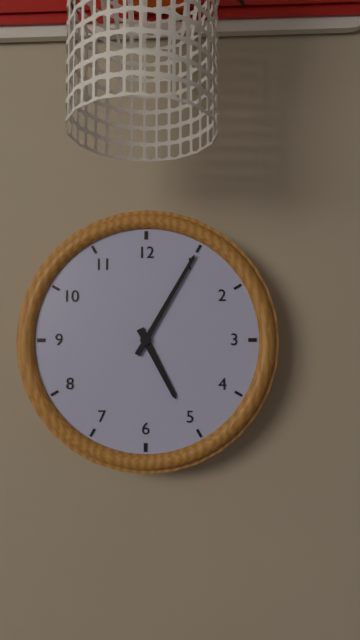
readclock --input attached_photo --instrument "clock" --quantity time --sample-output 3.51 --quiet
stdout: 5.05
